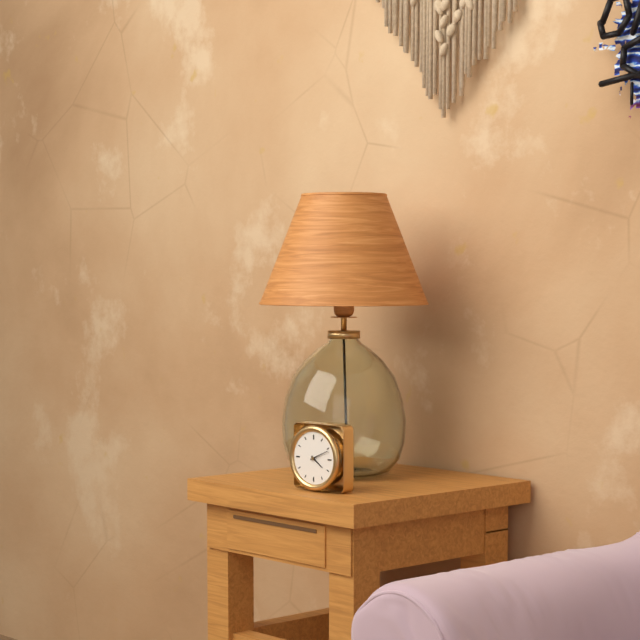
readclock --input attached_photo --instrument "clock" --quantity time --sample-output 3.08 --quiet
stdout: 4.11
